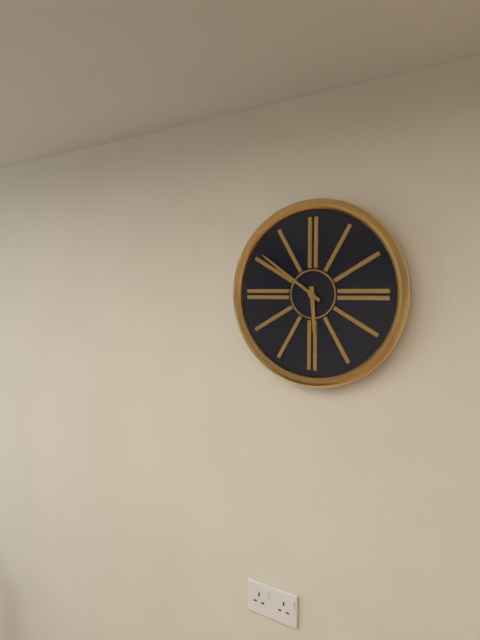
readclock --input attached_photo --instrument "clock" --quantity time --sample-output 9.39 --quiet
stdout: 5.51
